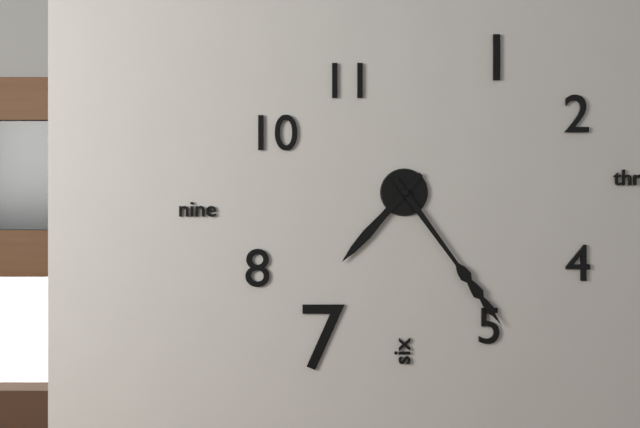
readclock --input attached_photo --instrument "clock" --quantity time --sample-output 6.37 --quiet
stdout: 7.24
